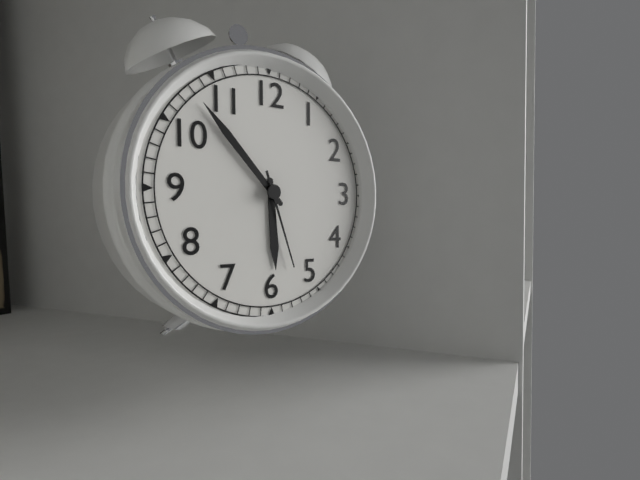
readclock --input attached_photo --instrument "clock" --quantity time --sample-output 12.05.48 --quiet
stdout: 5.53.27
